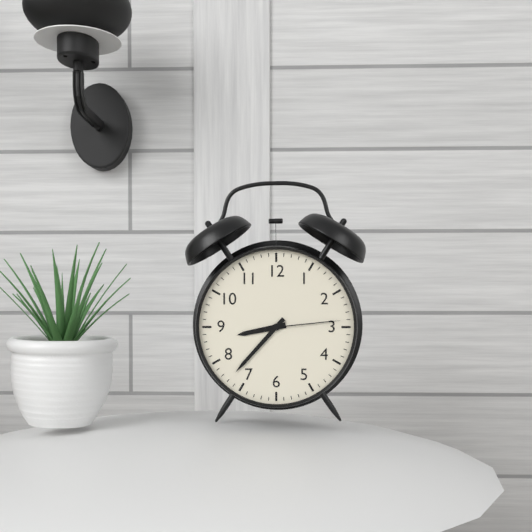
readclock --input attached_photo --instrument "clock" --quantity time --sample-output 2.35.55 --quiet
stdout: 8.37.14
